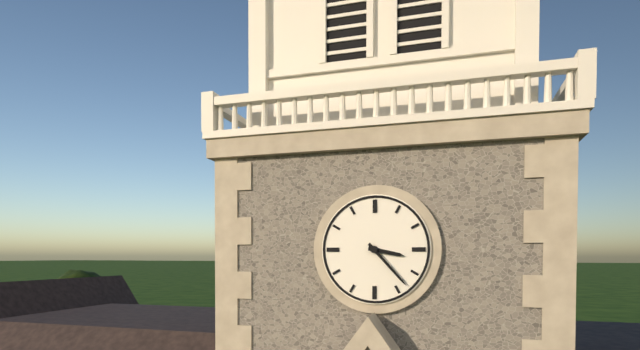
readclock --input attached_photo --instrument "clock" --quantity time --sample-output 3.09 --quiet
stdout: 3.23
